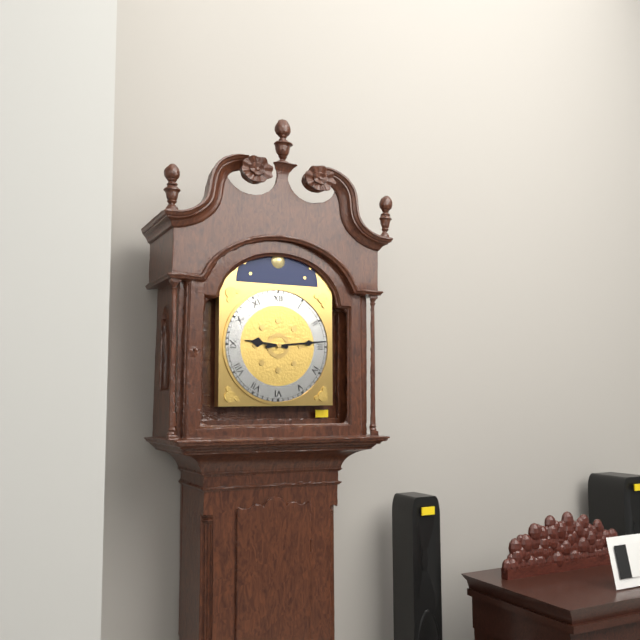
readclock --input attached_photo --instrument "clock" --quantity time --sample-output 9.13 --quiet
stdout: 9.14
